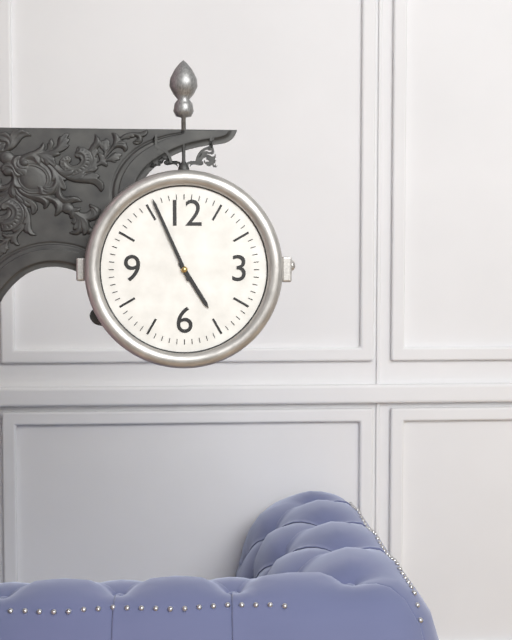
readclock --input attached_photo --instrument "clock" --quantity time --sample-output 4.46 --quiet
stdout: 4.56
